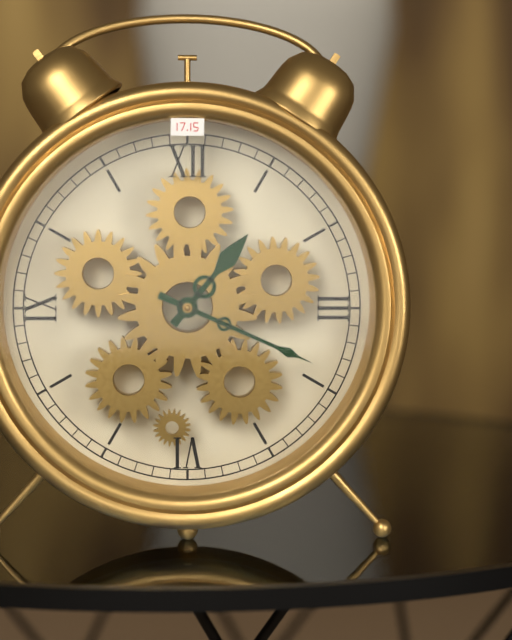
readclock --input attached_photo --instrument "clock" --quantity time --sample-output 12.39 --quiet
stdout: 1.19
